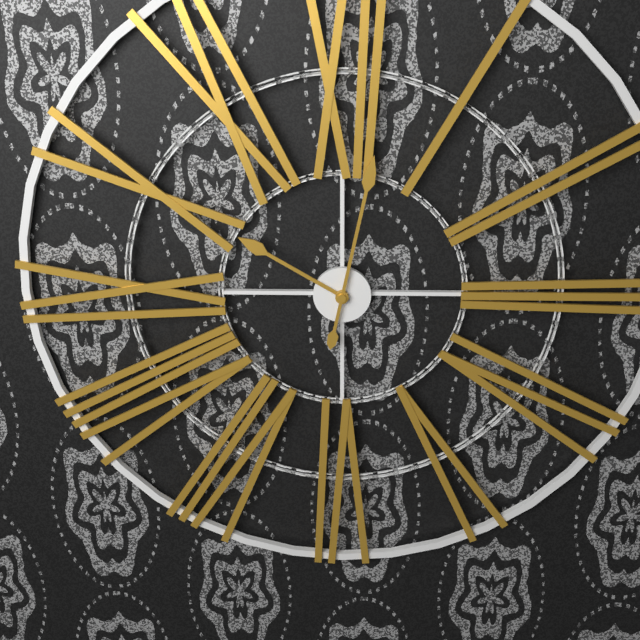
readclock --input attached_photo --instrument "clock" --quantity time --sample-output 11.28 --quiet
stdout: 10.02
